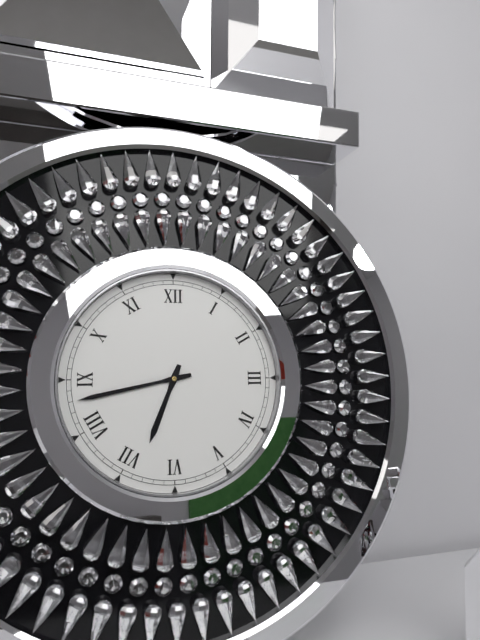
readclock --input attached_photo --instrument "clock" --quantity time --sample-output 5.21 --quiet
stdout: 6.43
